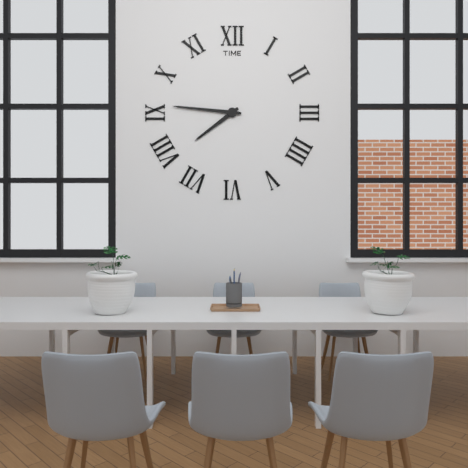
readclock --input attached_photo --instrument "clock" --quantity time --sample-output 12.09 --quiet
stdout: 7.46
